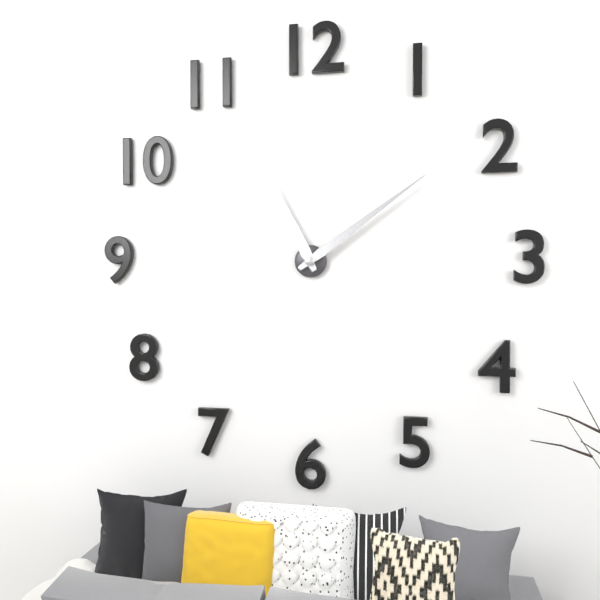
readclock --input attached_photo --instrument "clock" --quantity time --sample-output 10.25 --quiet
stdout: 11.09
